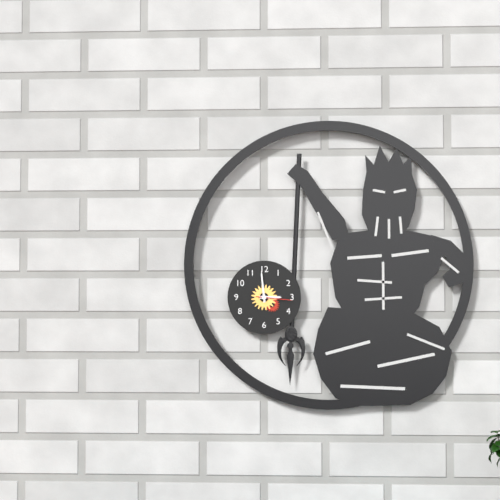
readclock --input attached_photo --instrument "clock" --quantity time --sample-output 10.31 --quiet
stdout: 2.59
